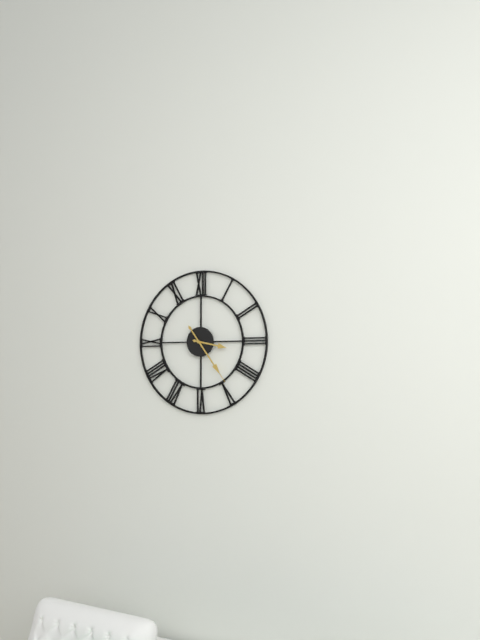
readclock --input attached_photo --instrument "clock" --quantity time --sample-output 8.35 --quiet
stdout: 3.24
